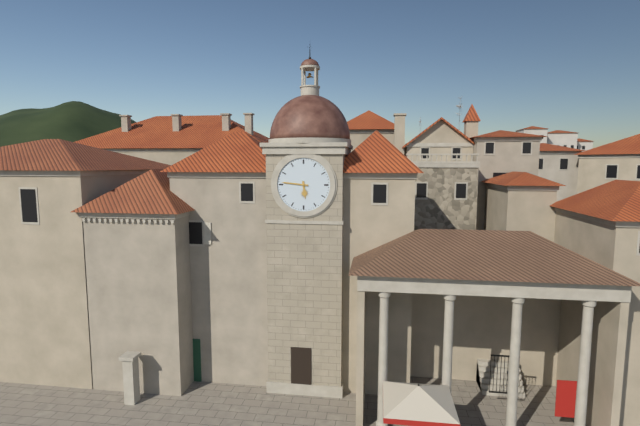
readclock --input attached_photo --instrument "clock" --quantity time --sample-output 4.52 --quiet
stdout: 5.46
